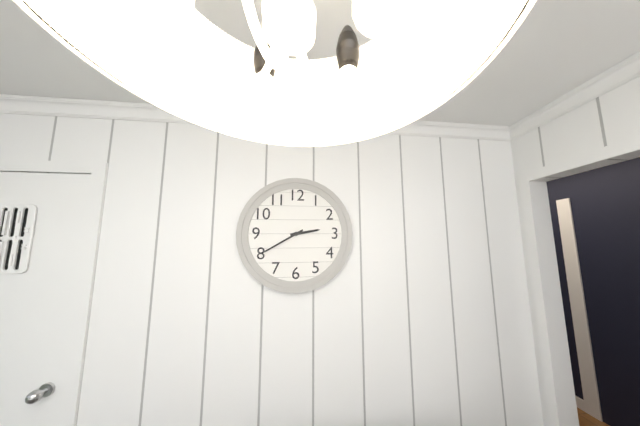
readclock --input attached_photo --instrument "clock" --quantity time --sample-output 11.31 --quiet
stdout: 2.40
